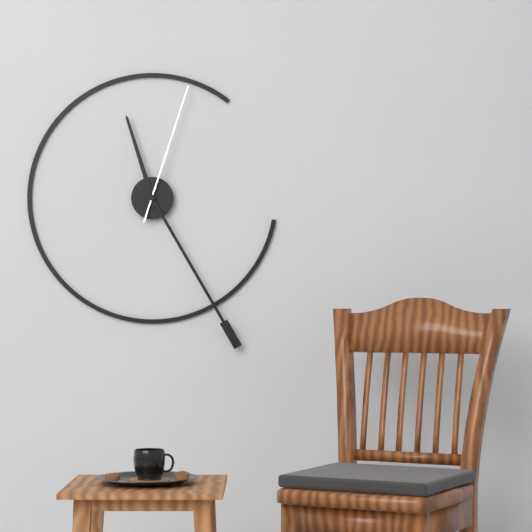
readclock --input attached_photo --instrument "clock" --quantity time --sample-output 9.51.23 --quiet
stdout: 11.25.03
